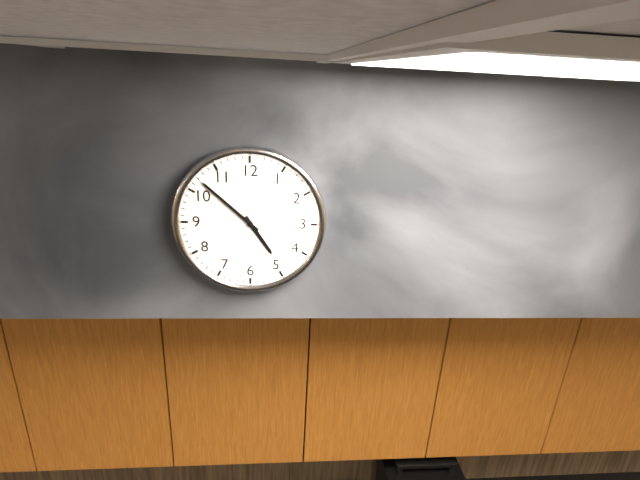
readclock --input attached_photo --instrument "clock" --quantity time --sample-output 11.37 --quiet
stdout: 4.52
